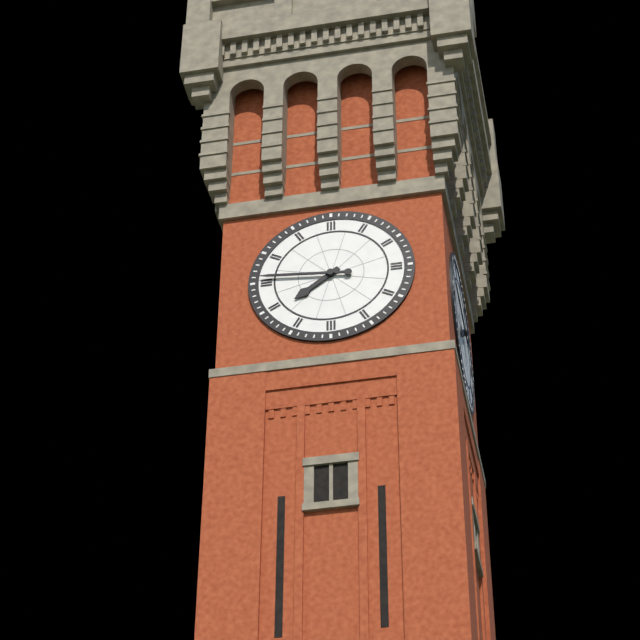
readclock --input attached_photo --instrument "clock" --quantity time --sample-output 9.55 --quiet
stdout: 7.46
